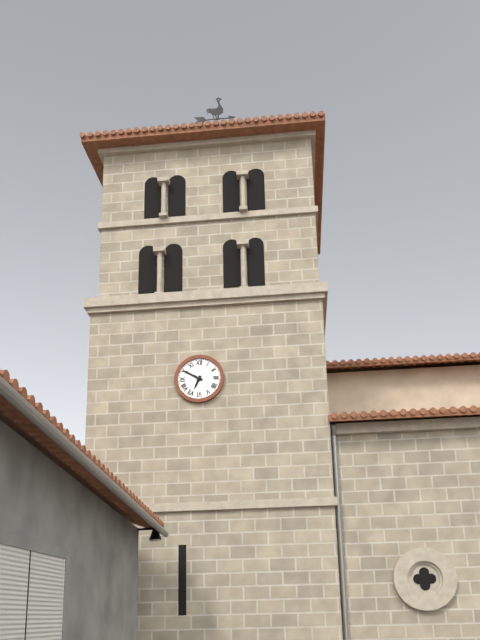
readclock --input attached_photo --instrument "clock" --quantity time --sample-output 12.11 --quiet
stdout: 6.50
